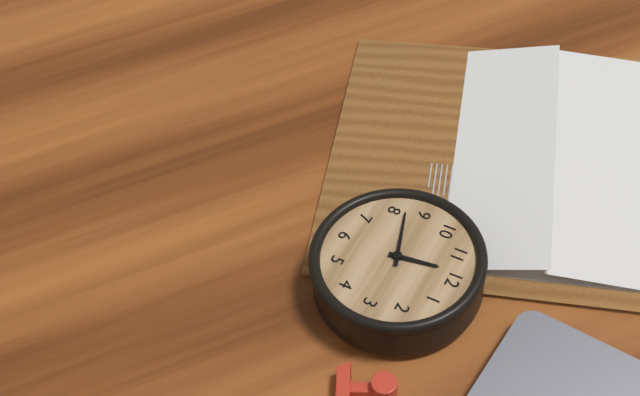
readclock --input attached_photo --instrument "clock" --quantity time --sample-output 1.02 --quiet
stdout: 11.42
